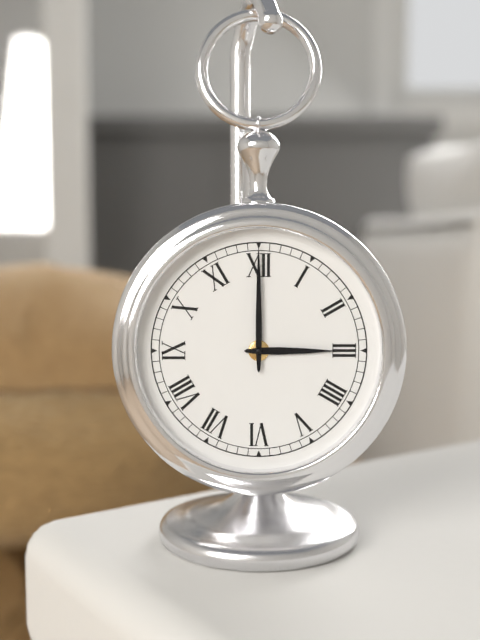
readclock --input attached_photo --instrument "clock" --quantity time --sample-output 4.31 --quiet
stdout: 3.00
